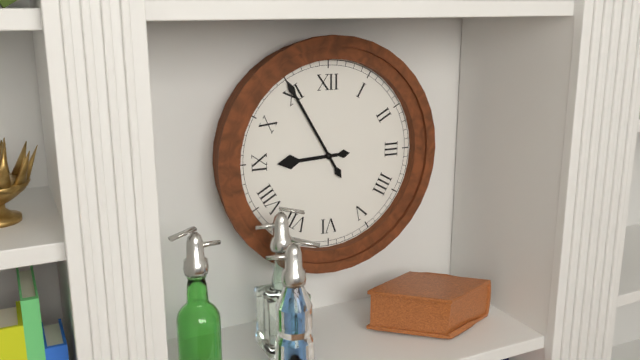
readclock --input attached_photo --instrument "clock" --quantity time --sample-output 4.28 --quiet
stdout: 8.55
